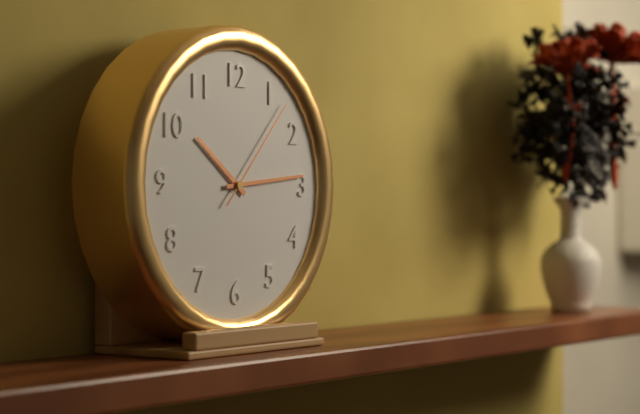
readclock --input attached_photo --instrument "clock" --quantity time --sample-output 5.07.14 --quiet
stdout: 10.14.07
